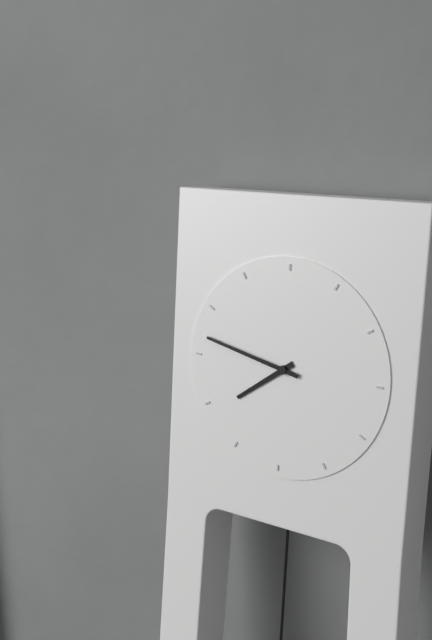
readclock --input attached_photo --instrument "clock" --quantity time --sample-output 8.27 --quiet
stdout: 7.47
